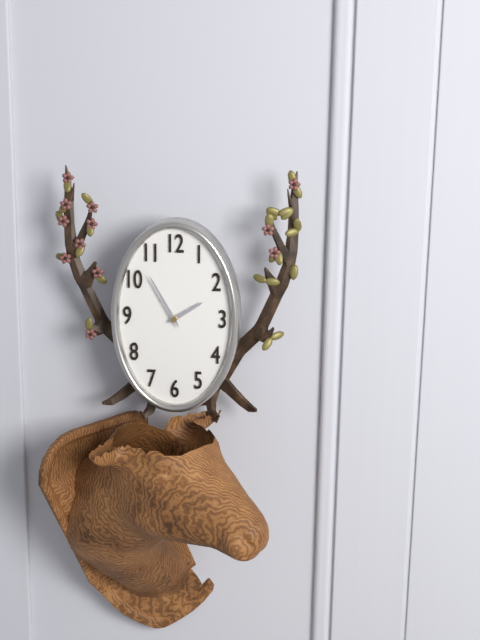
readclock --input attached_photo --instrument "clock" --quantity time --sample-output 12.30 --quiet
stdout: 1.55
